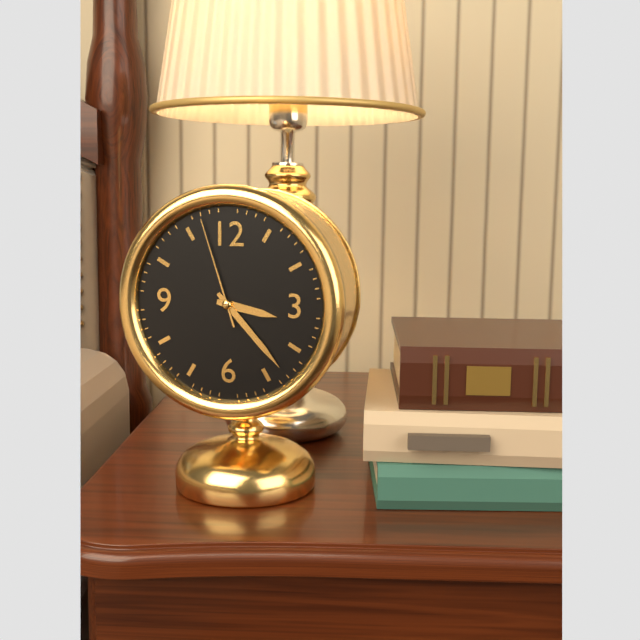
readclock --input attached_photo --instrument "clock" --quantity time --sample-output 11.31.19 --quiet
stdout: 3.23.57
